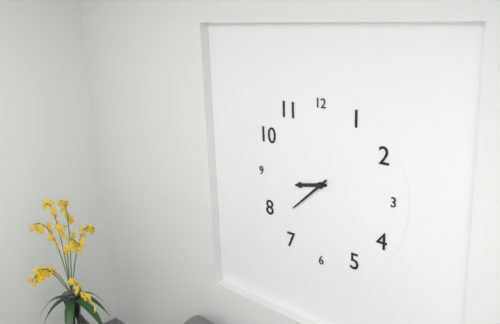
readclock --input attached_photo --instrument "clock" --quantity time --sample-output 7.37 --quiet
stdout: 8.38
